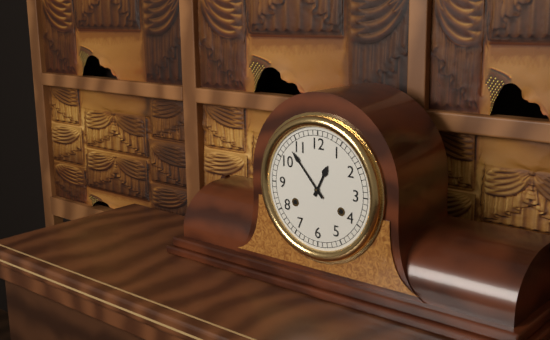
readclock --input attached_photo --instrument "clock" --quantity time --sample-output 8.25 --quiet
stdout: 12.53
